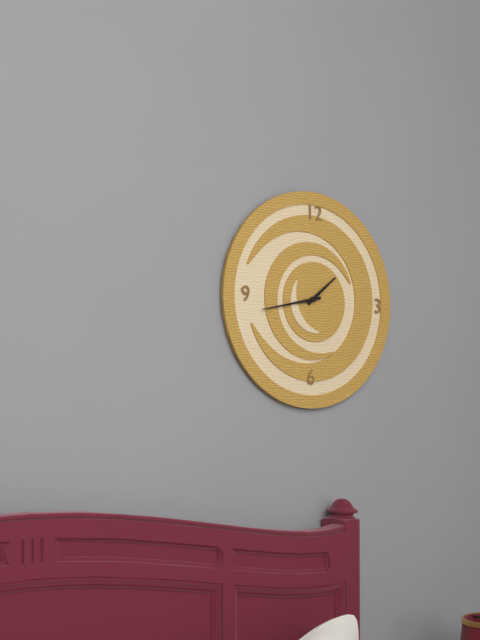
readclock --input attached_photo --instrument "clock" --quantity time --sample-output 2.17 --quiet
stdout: 1.43
